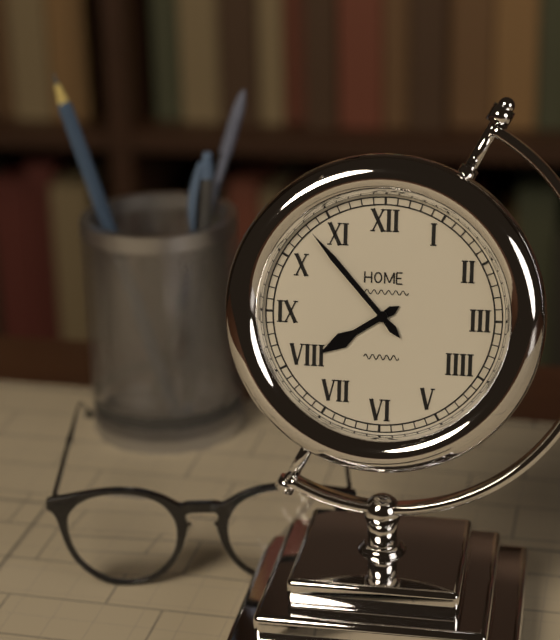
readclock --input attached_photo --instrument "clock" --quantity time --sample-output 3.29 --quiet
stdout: 7.53
